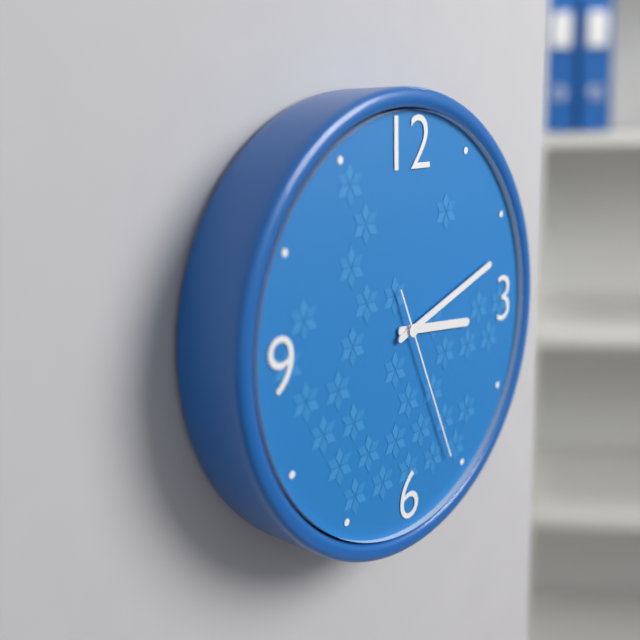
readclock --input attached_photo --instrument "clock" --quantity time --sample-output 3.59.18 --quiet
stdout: 3.12.26
